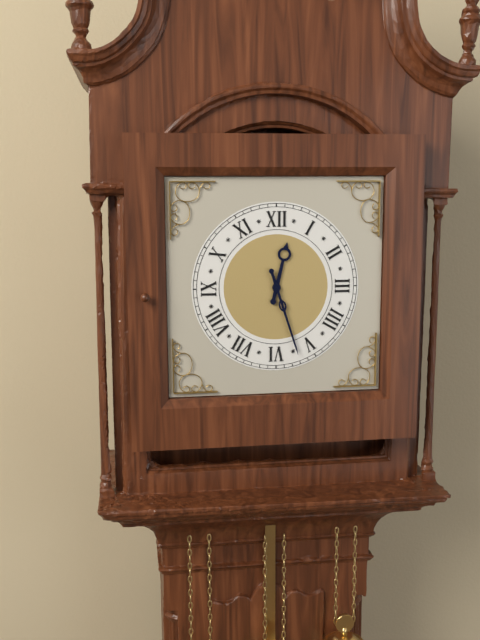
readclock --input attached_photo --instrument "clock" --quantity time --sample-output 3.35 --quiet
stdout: 12.27
